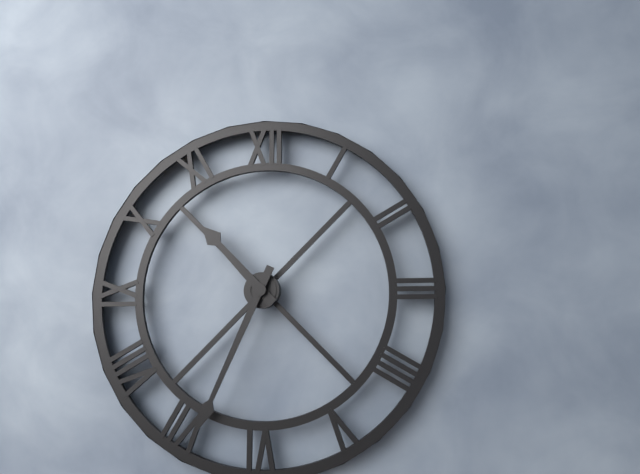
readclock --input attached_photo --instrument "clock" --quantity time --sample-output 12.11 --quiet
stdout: 10.34
